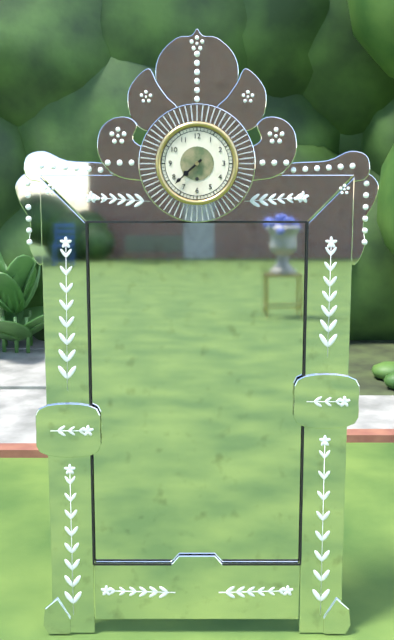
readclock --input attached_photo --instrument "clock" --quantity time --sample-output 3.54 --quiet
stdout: 7.38
